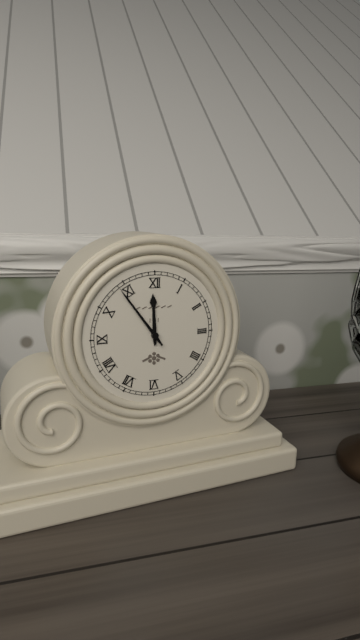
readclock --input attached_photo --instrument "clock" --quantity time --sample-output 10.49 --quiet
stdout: 11.54
